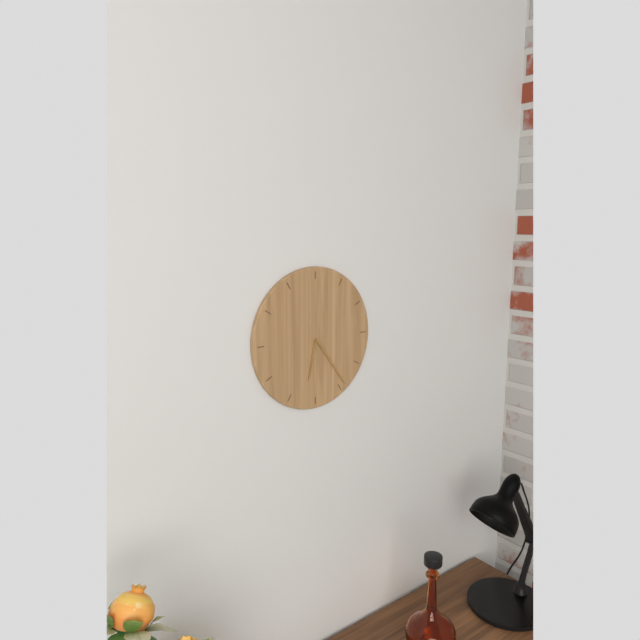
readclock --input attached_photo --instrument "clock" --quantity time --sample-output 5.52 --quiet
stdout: 6.24
